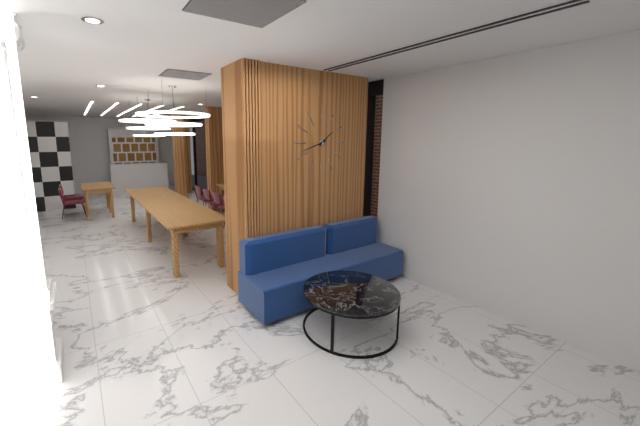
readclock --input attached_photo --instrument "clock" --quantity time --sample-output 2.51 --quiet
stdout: 1.42
